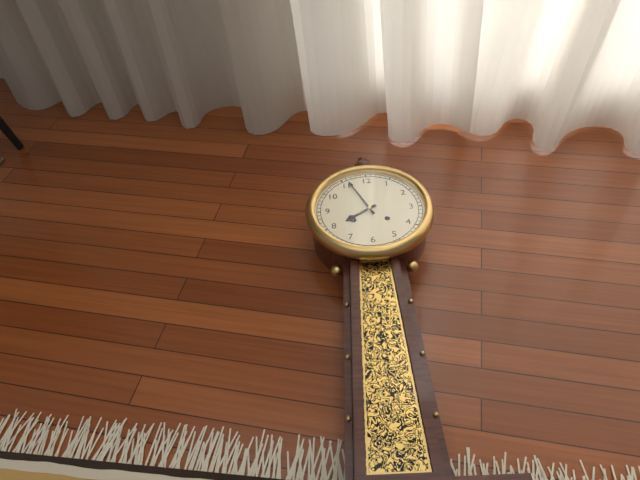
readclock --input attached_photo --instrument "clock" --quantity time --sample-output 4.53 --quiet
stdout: 7.56
